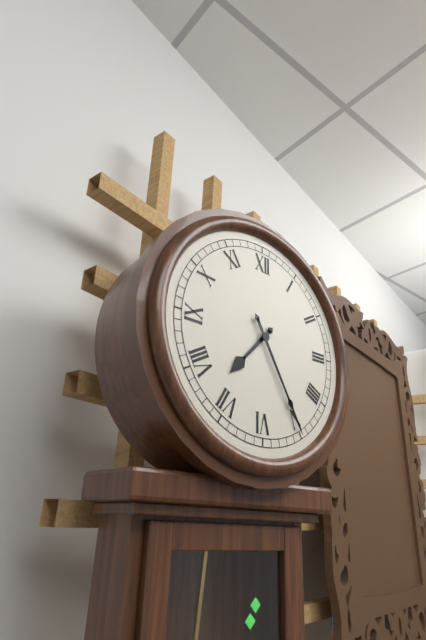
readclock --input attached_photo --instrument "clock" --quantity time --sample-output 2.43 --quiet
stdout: 7.25
